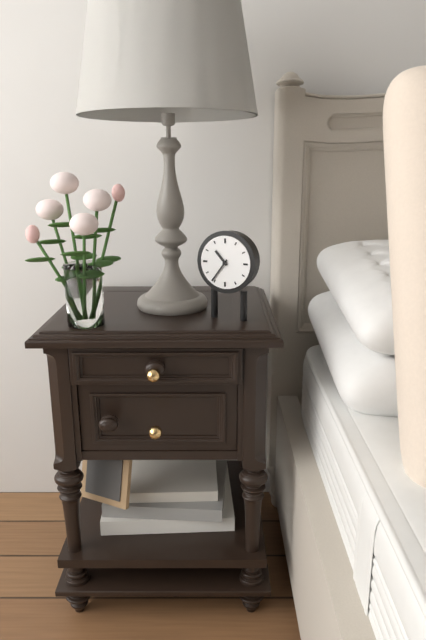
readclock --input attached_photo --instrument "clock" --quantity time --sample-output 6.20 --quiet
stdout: 10.36
